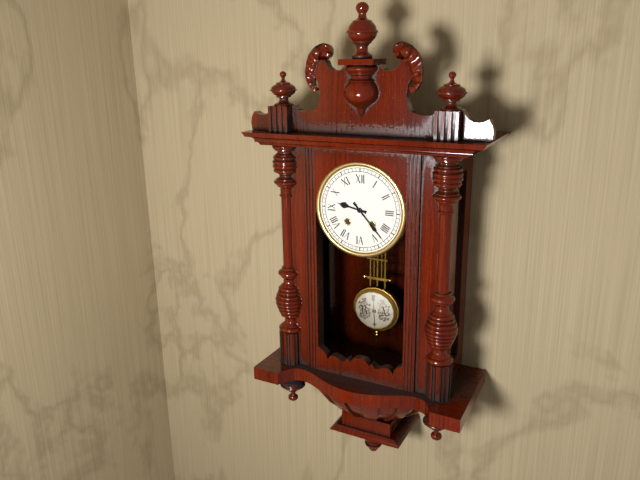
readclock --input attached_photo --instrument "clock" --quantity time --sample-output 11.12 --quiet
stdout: 9.23
